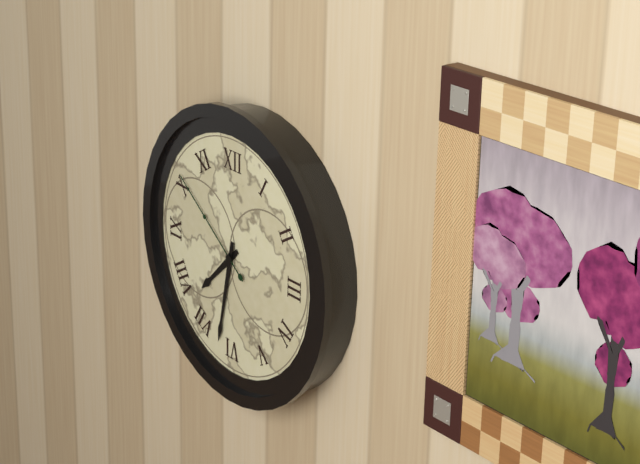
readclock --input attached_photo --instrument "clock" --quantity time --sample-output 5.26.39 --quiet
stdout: 7.32.51
